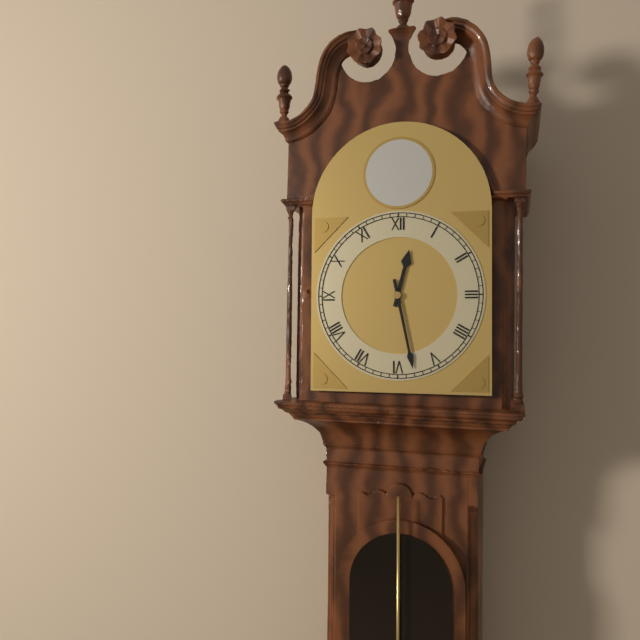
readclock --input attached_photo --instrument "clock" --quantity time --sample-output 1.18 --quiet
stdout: 12.28
